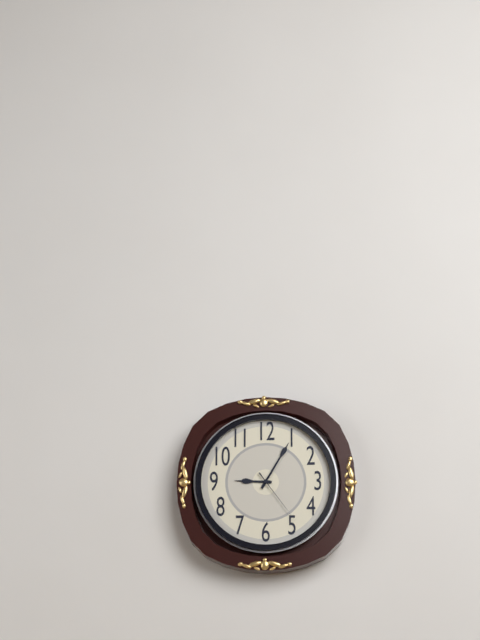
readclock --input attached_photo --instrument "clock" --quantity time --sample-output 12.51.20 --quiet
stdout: 9.05.24
